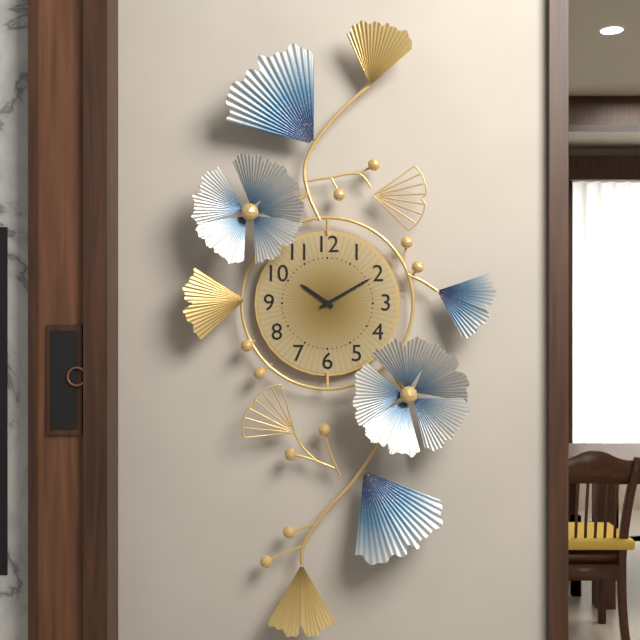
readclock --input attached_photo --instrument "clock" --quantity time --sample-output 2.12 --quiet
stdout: 10.10
